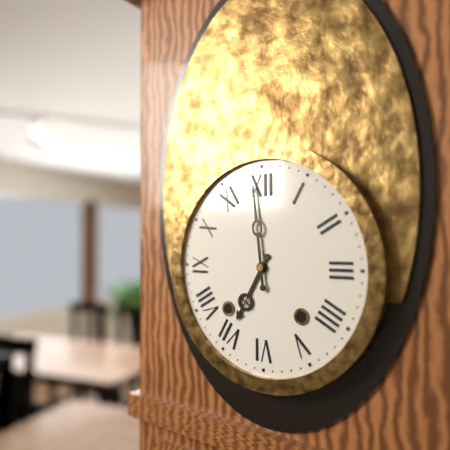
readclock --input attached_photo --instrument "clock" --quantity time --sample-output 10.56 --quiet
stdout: 6.59
